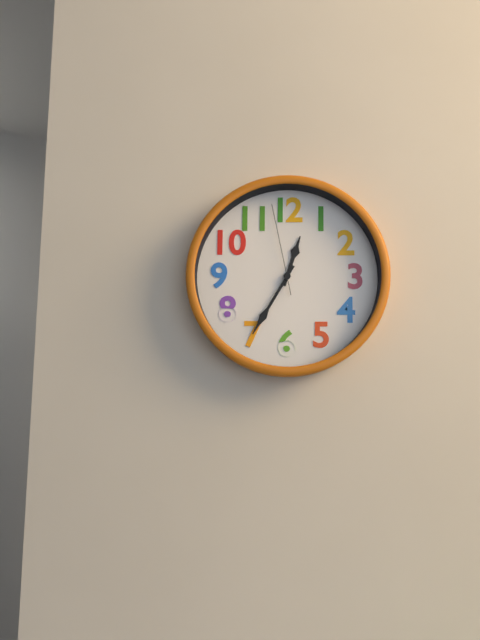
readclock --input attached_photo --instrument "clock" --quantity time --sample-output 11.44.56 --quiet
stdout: 12.35.58
